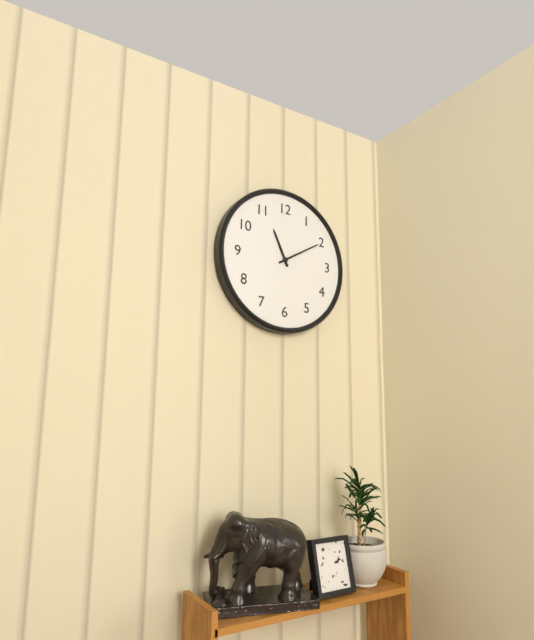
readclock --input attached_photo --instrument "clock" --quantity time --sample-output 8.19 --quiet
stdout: 11.10
